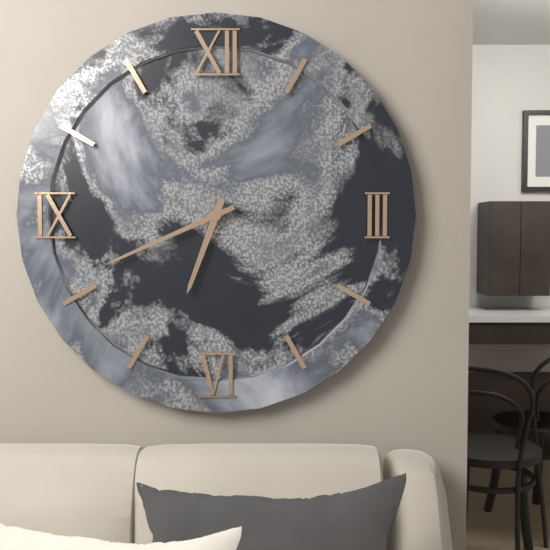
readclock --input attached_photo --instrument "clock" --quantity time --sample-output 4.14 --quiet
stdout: 6.41
